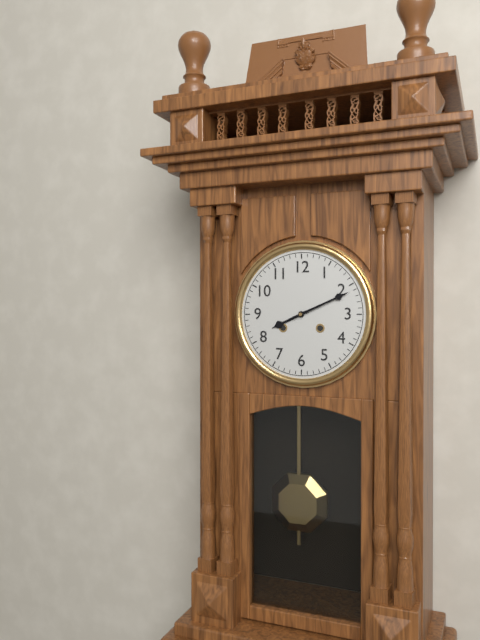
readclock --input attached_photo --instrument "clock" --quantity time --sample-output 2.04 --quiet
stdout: 8.11
